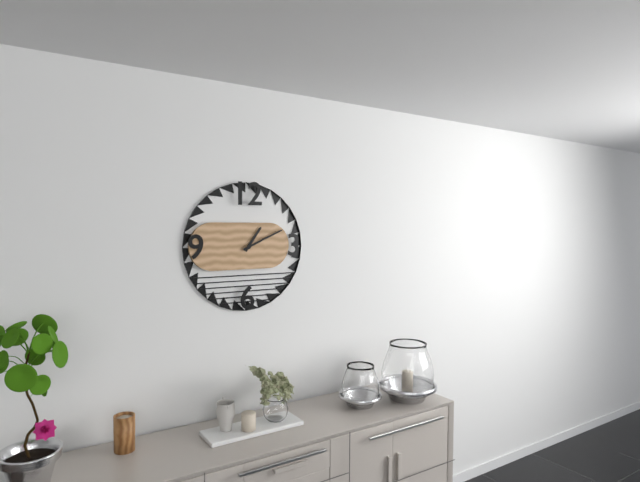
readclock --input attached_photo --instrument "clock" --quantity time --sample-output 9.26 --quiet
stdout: 1.11
